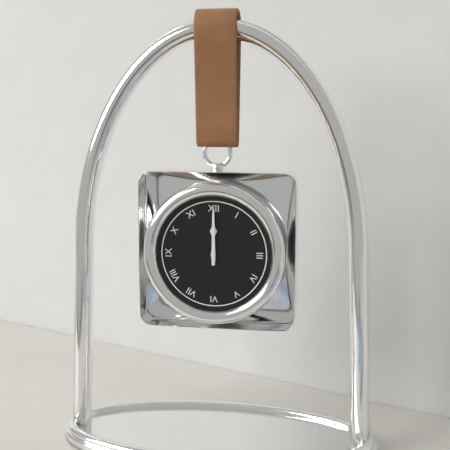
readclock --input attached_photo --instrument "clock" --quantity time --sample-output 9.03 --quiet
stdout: 12.00
